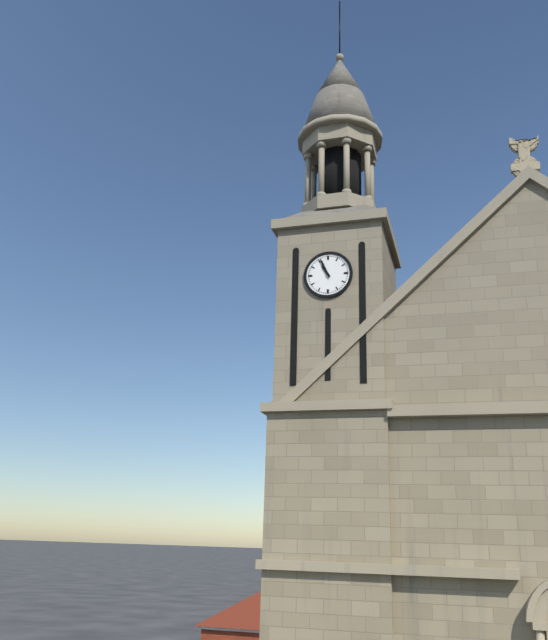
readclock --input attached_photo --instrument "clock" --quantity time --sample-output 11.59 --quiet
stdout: 10.56
